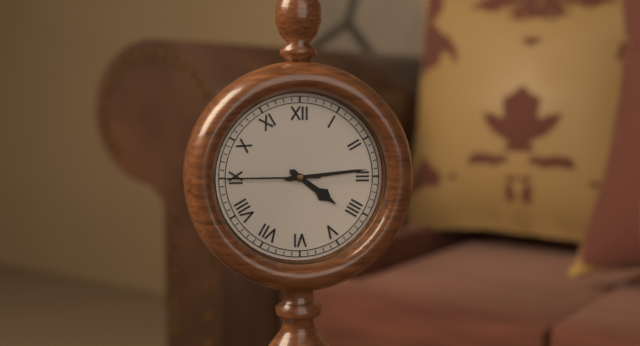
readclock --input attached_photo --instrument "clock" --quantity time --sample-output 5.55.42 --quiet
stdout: 4.14.45
